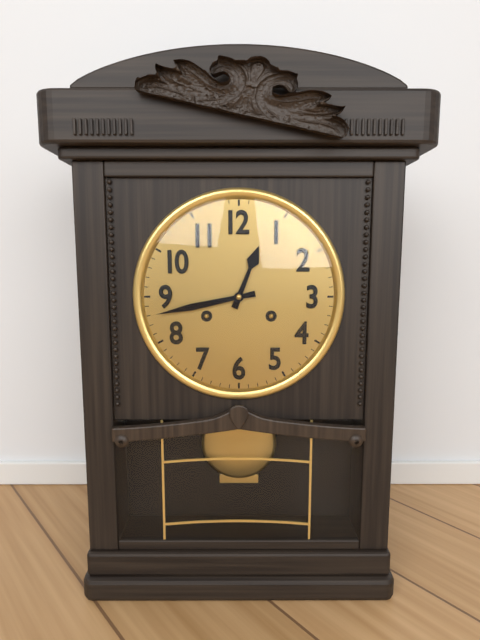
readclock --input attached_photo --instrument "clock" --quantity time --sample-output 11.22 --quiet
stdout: 12.43
